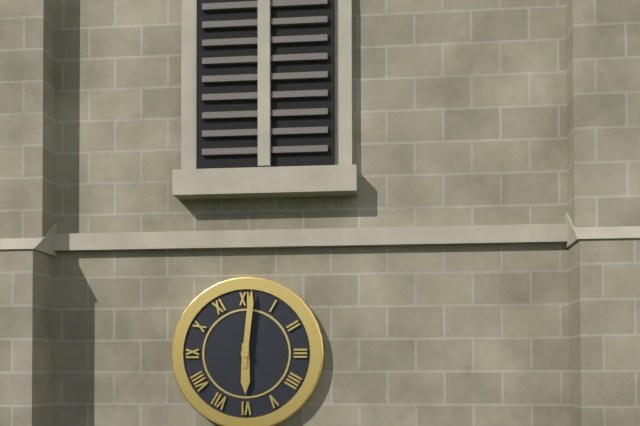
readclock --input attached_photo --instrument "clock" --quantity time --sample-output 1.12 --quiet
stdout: 6.01
